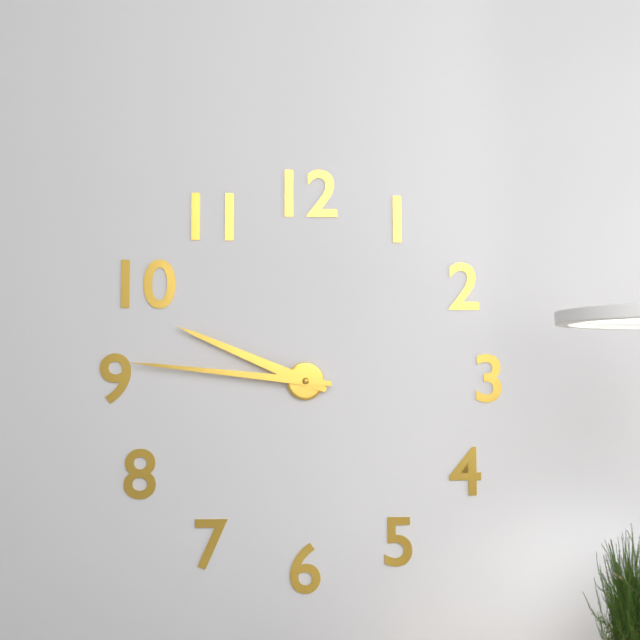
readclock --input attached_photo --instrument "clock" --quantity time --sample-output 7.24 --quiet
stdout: 9.46
